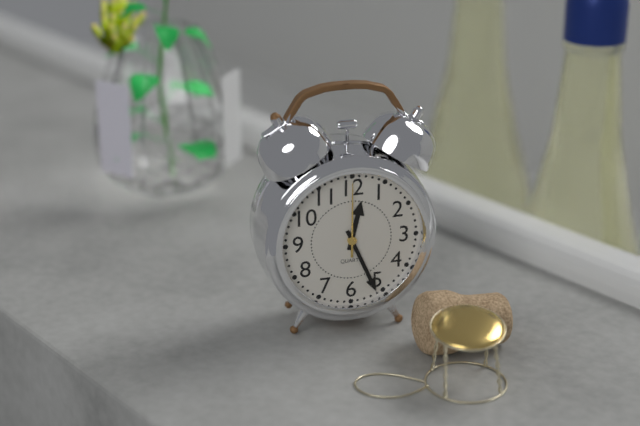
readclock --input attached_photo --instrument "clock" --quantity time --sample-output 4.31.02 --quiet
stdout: 12.26.00
